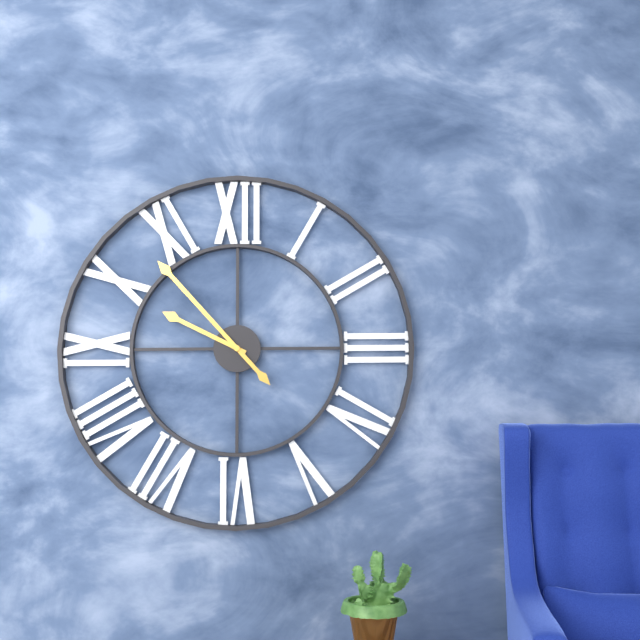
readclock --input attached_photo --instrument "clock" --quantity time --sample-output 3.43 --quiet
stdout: 9.53
